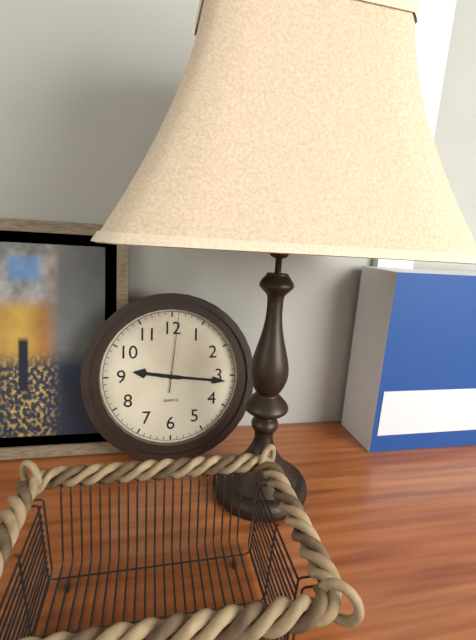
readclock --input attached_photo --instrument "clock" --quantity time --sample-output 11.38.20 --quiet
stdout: 9.16.01
